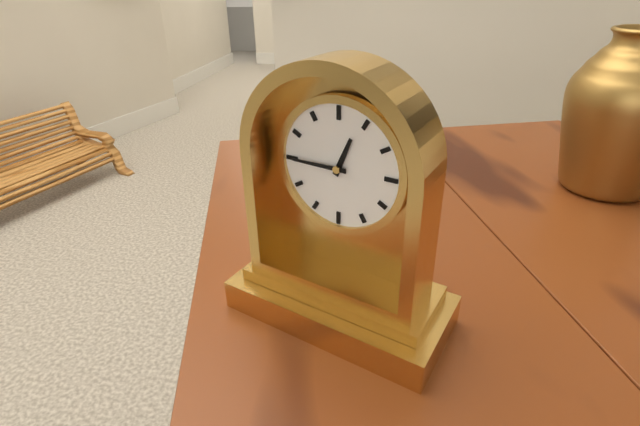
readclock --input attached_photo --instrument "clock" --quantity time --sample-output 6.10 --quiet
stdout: 12.45
